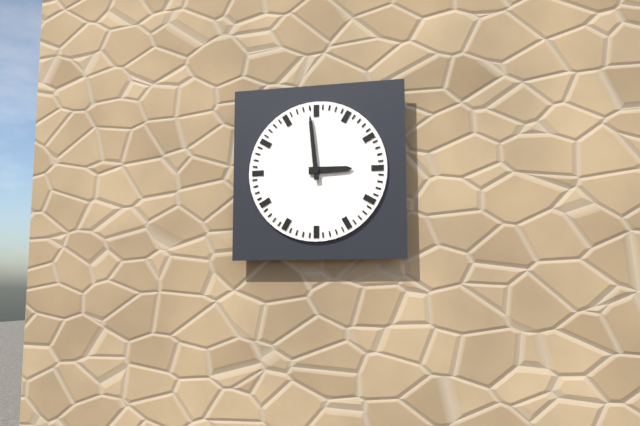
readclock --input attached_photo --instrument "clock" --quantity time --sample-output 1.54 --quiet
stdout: 2.59
